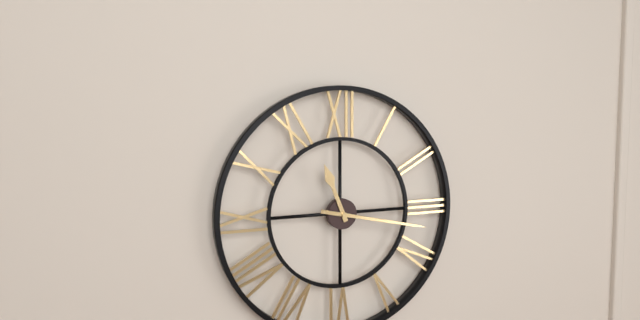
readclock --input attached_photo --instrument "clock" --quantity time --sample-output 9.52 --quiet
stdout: 11.17
